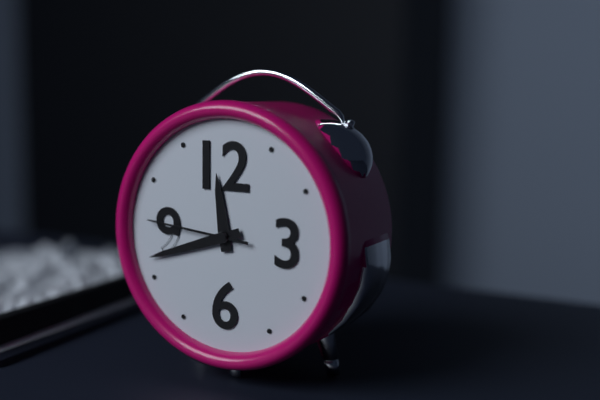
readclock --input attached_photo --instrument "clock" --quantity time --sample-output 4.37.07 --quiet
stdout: 11.42.46
